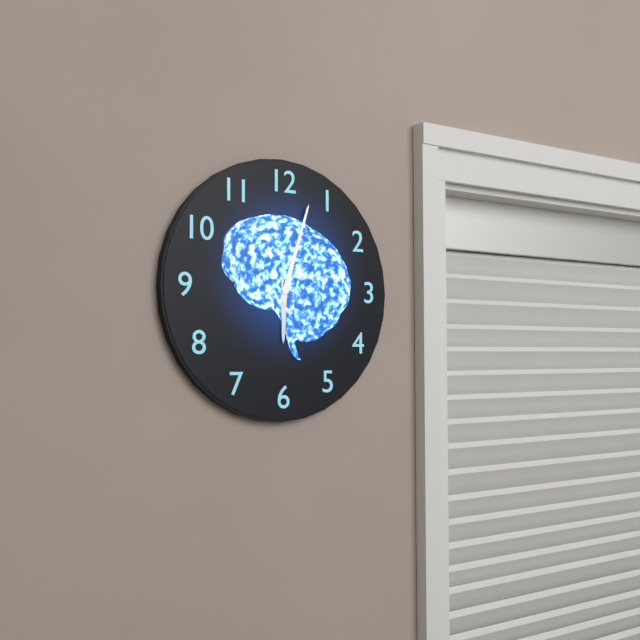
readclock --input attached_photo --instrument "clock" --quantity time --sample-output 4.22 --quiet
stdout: 6.03
